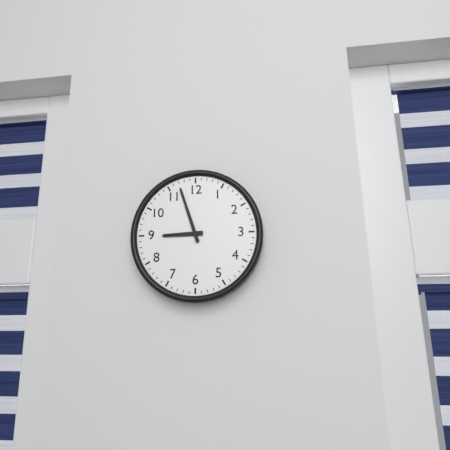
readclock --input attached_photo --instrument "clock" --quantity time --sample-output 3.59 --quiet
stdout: 8.57
